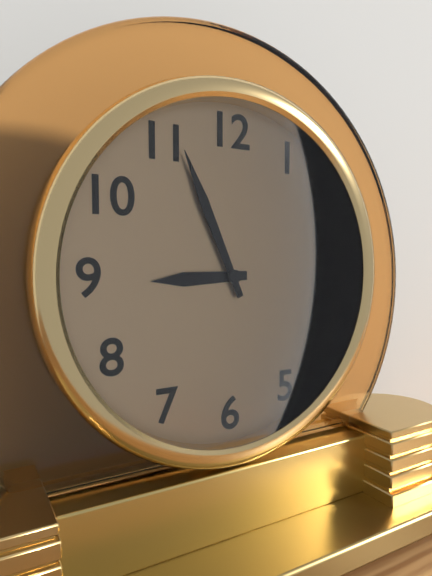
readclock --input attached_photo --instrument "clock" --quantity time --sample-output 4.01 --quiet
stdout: 8.56
